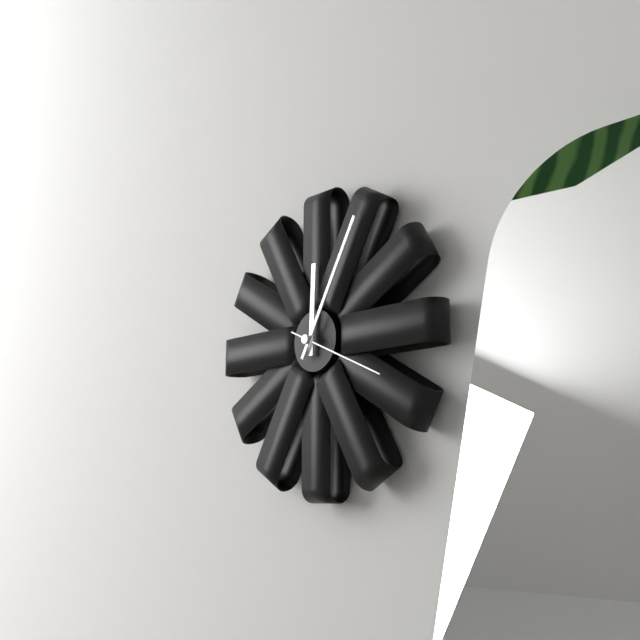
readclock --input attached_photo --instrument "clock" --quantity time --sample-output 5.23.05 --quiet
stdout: 12.05.19
